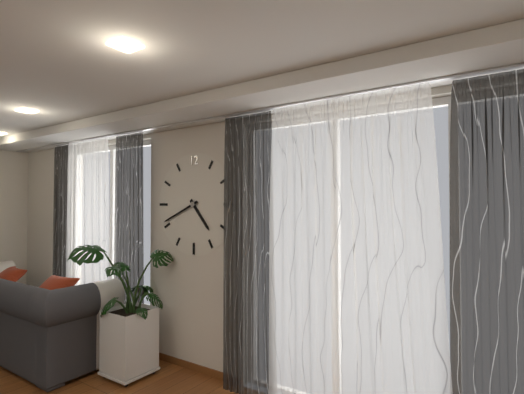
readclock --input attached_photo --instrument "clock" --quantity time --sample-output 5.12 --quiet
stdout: 4.41
